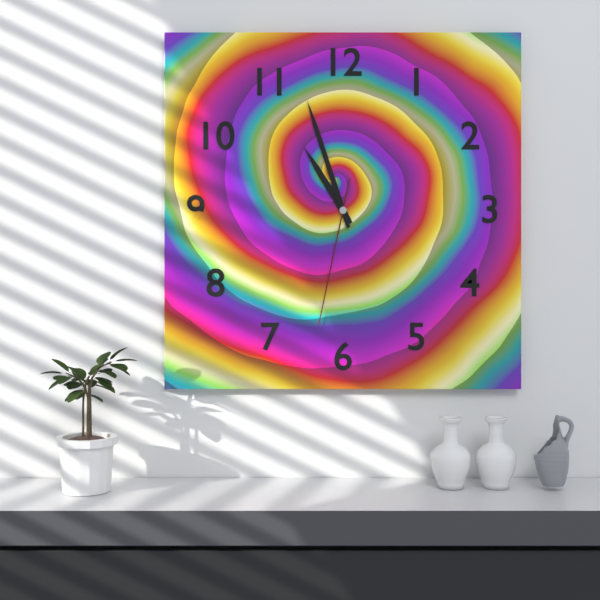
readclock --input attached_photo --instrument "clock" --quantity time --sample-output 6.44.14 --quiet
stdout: 10.57.32
